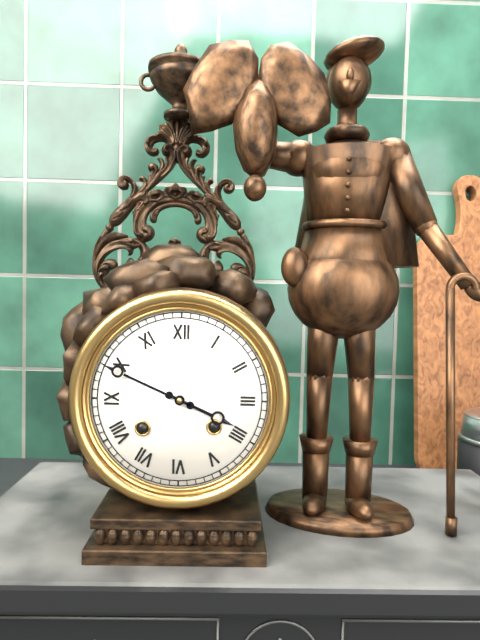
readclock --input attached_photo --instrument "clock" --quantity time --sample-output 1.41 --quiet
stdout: 3.49
